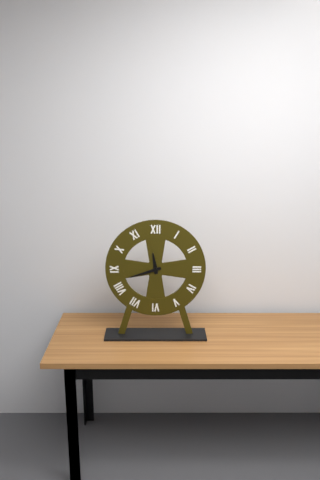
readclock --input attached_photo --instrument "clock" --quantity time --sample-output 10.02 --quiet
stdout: 11.42
